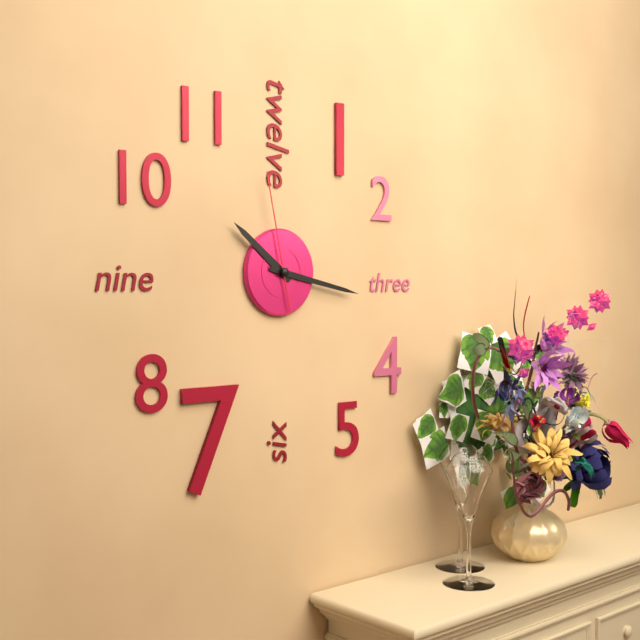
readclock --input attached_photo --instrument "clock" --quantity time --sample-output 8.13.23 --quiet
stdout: 10.17.58
